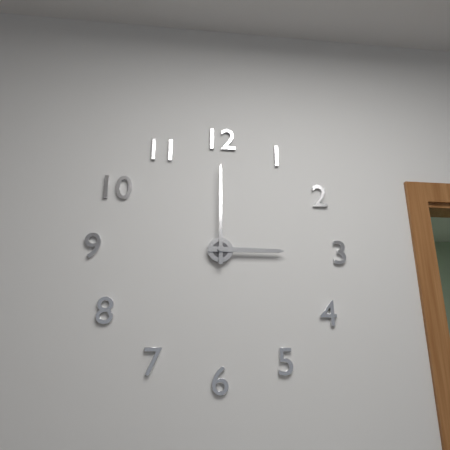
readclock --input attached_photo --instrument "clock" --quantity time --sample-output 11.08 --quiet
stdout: 3.00
